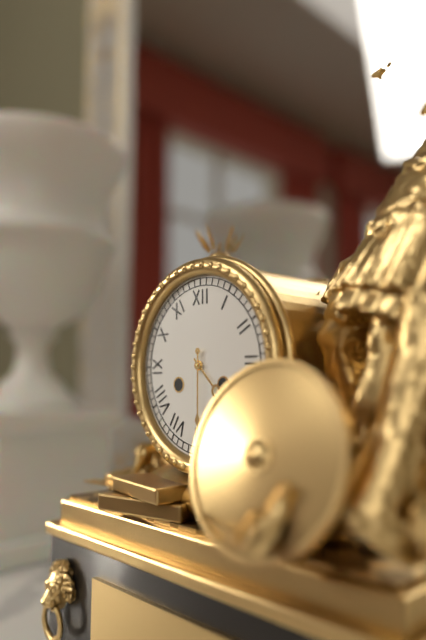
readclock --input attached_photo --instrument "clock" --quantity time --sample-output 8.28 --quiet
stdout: 4.30
